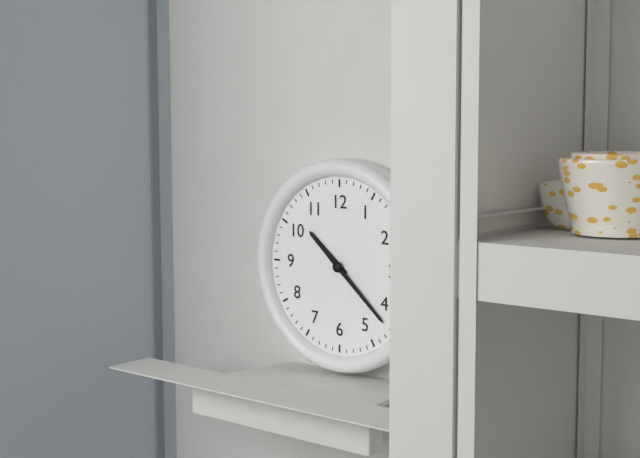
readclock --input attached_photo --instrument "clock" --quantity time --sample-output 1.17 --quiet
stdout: 10.22
